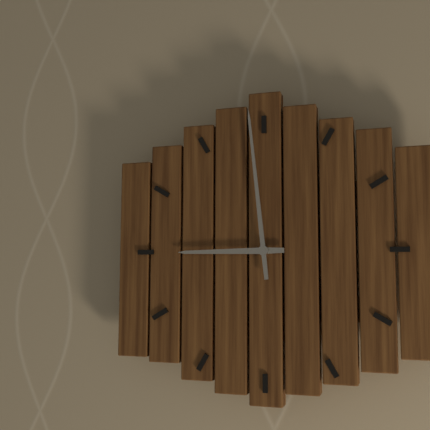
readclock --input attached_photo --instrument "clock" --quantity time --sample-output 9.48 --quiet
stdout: 8.59
